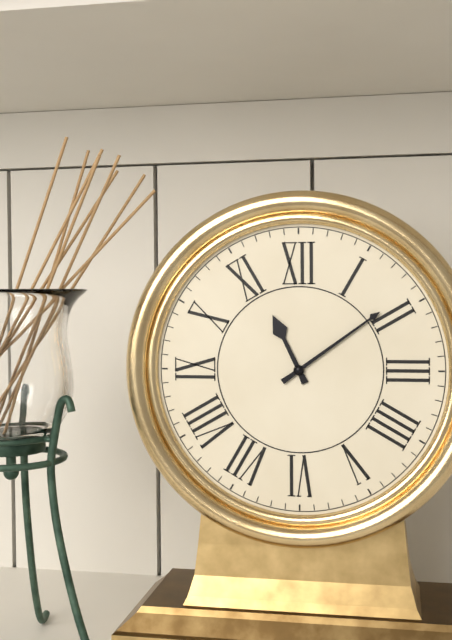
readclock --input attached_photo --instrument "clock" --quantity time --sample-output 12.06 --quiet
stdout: 11.09
